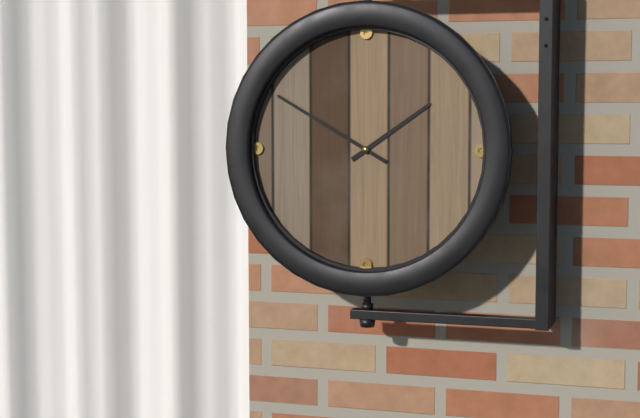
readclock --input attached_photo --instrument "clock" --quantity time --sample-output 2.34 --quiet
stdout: 1.50
